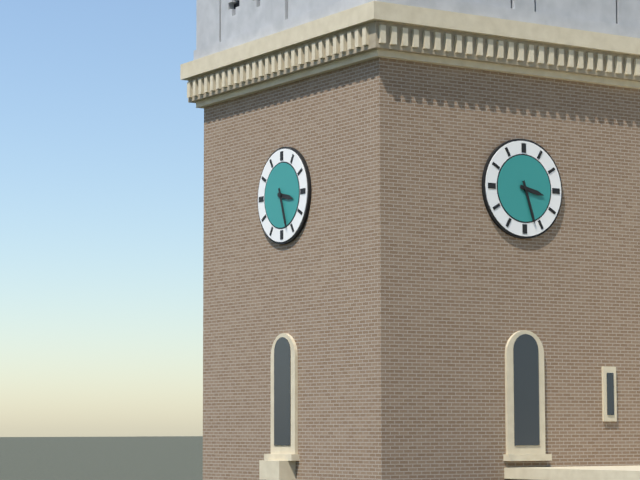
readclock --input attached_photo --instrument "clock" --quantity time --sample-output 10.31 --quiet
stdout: 3.27
